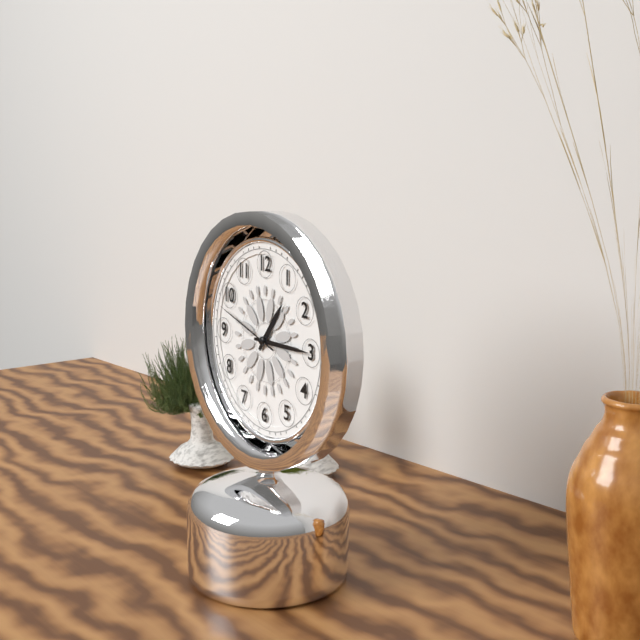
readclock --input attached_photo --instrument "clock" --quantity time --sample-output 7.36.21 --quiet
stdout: 1.15.48
